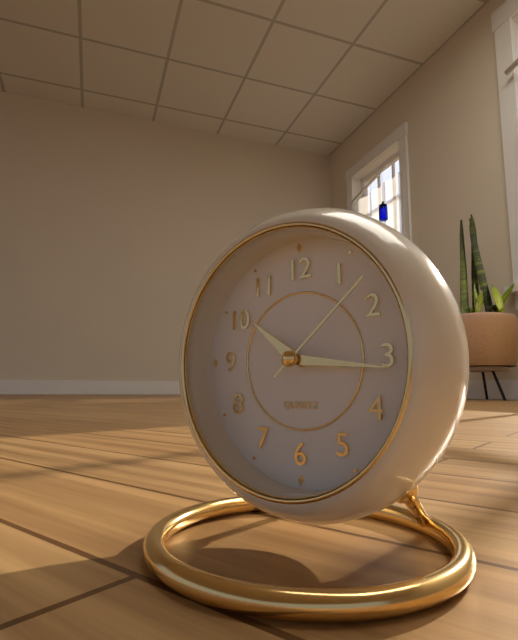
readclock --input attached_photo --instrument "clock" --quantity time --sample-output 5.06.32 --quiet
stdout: 10.16.08
